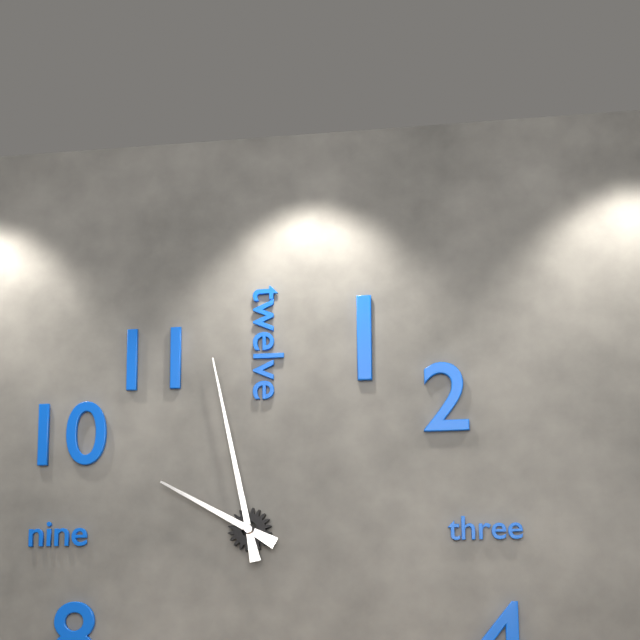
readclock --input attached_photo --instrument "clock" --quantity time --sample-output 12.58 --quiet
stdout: 9.58
